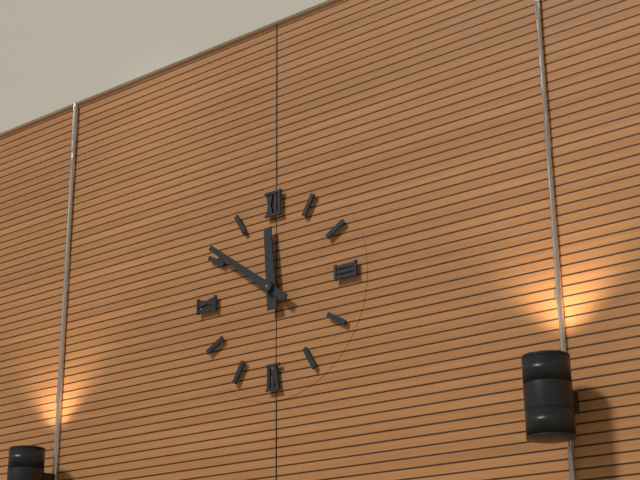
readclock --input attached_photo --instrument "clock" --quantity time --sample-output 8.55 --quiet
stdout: 11.51
